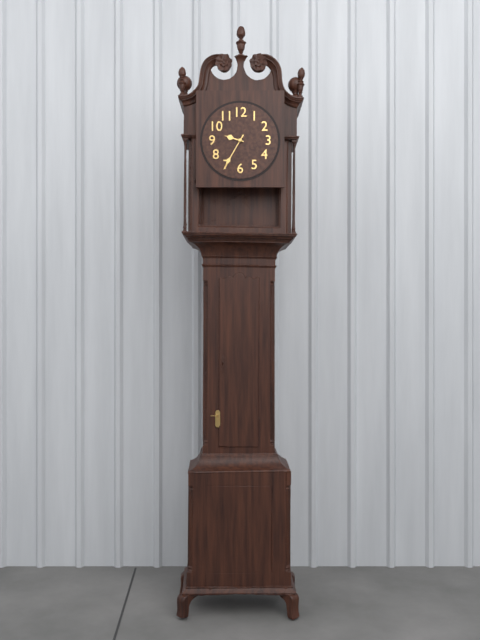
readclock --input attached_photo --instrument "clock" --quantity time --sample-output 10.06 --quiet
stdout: 9.35
